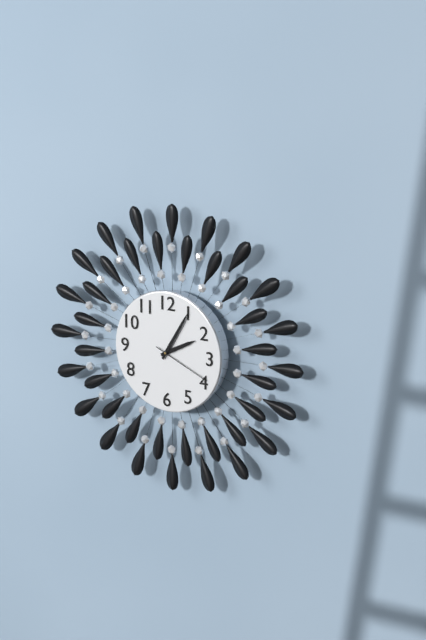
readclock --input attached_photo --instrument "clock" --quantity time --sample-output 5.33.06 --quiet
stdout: 2.05.19
